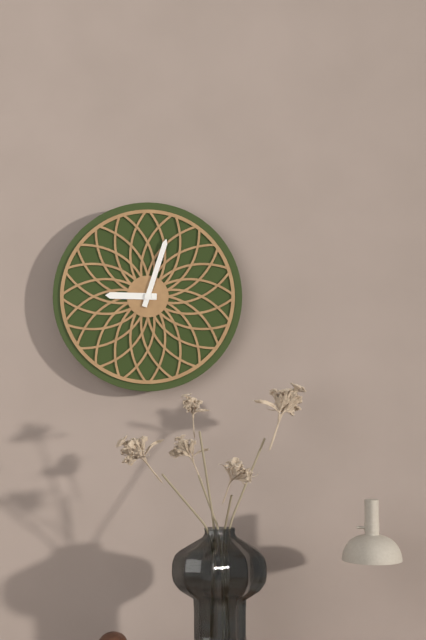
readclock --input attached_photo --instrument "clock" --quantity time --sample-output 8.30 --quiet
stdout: 9.03
